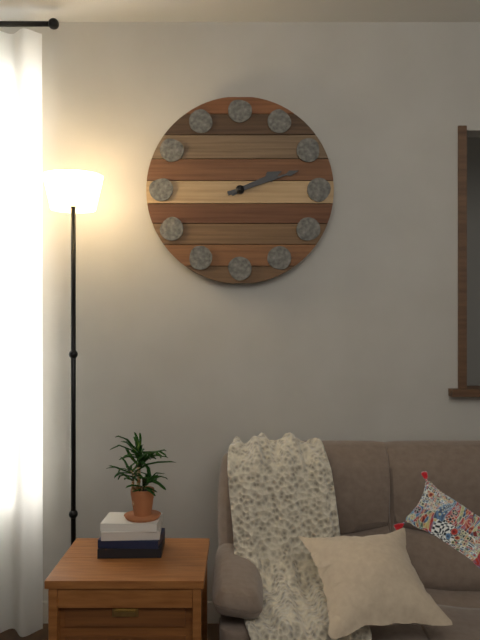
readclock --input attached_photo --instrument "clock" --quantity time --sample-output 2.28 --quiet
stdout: 2.12
